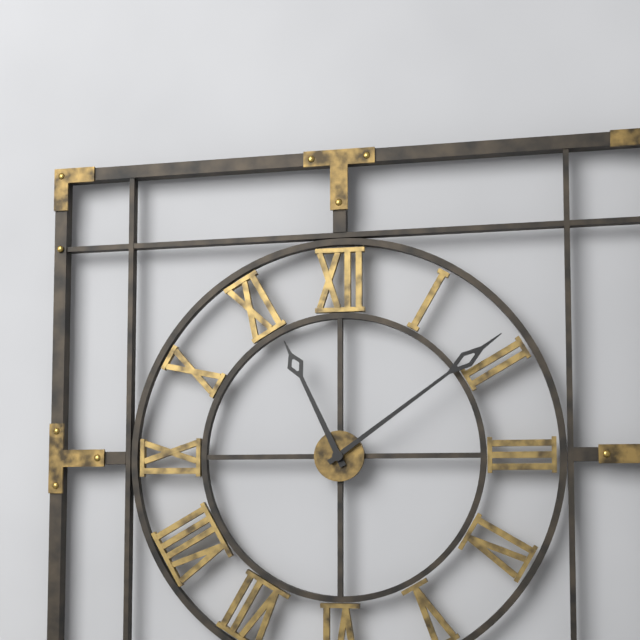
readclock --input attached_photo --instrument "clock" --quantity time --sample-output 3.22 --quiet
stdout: 11.09
